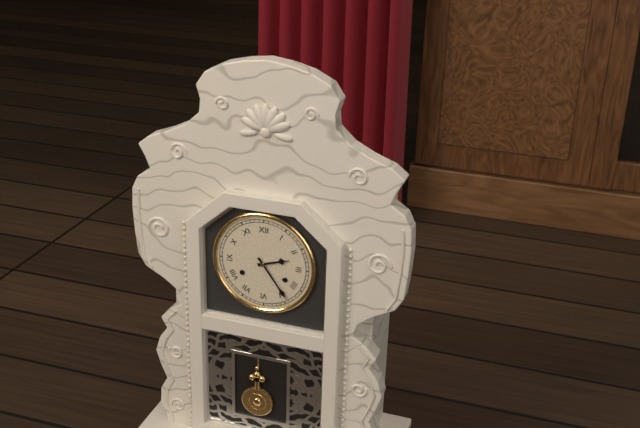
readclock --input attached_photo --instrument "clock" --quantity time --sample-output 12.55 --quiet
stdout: 2.24
